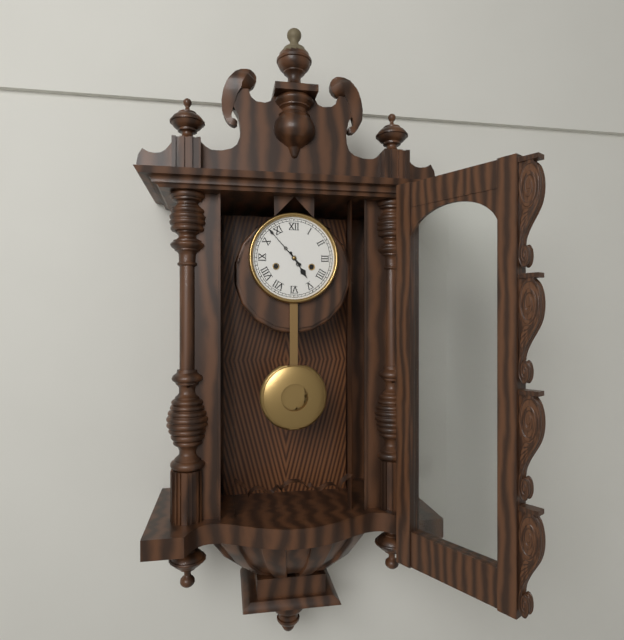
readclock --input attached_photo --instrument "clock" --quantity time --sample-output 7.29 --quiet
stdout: 4.53
